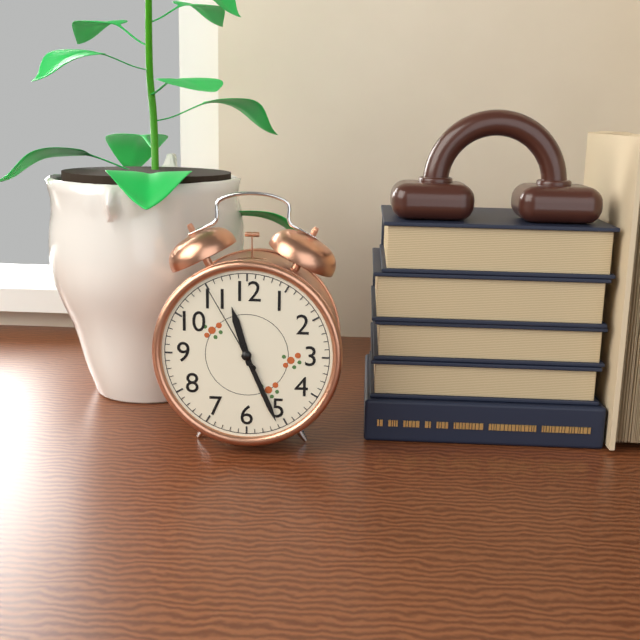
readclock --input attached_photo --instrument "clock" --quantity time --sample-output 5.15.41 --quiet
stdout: 11.26.55
